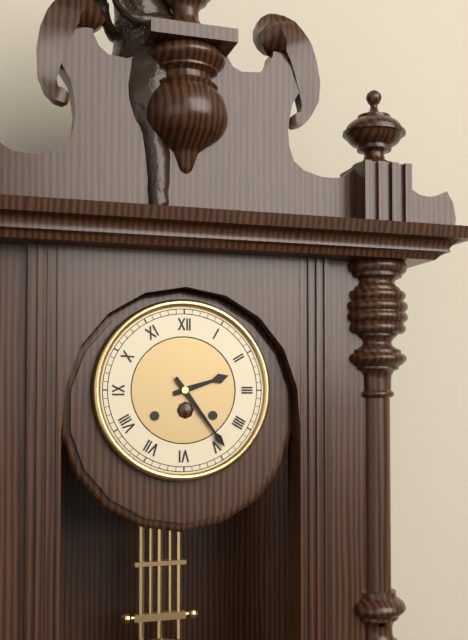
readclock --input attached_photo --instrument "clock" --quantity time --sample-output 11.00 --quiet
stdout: 2.24
